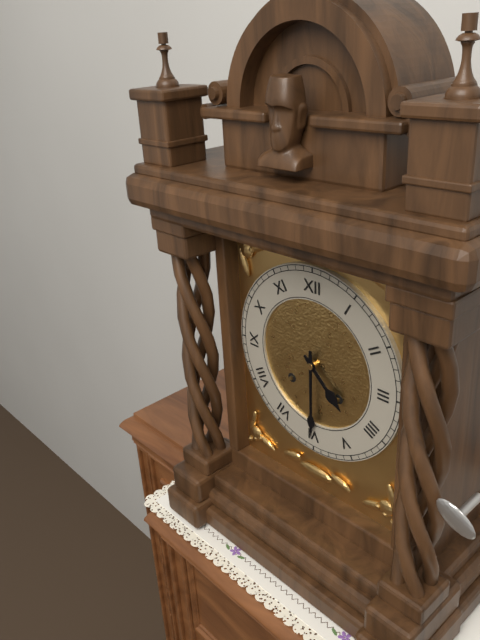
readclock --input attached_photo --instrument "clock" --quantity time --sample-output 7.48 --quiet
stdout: 4.30
